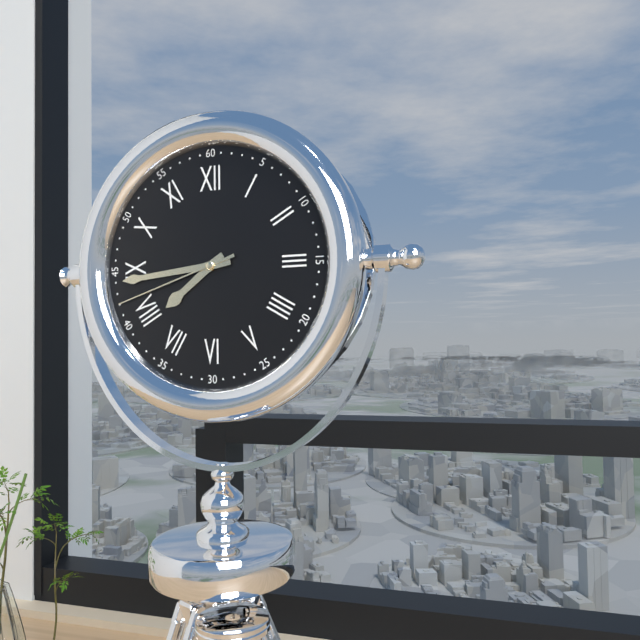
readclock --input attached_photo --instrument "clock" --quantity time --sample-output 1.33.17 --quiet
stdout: 7.44.42
